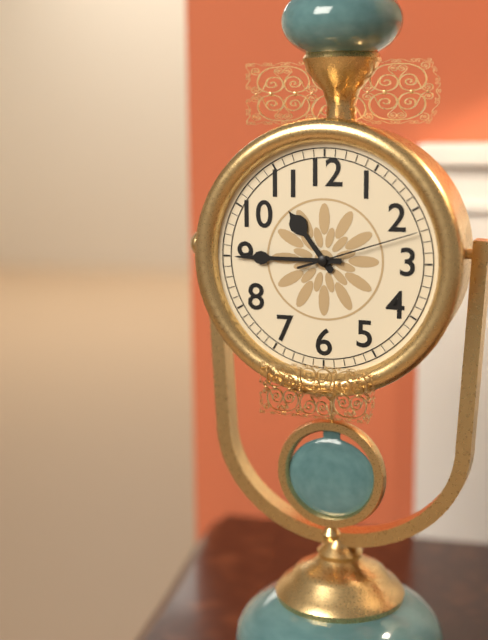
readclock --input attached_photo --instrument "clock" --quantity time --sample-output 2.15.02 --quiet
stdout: 10.45.12
